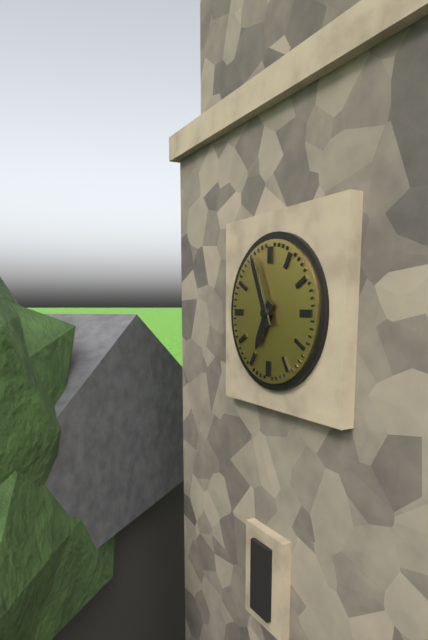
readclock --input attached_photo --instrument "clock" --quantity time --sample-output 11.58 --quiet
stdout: 6.56
